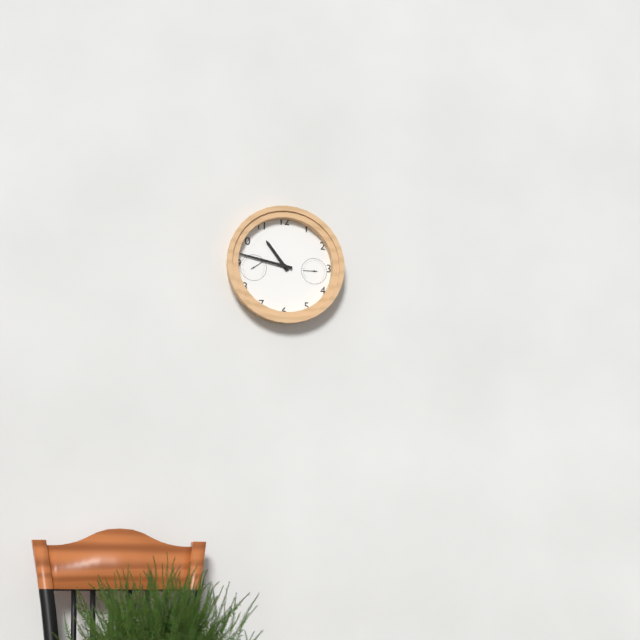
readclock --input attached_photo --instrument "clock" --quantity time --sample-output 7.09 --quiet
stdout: 10.47
